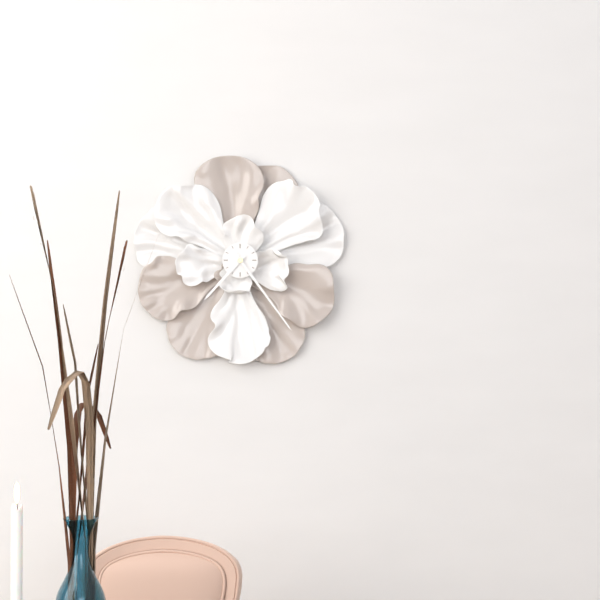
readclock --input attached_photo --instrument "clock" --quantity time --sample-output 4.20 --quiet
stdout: 7.24
